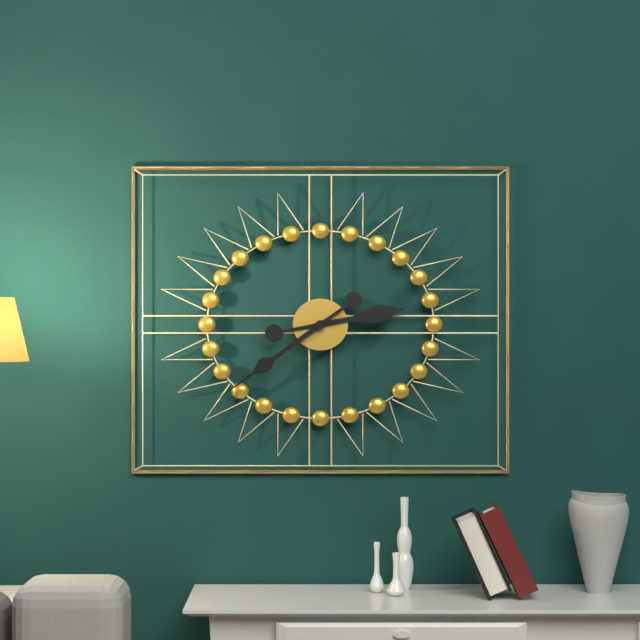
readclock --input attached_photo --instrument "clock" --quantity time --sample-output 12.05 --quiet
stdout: 2.39
